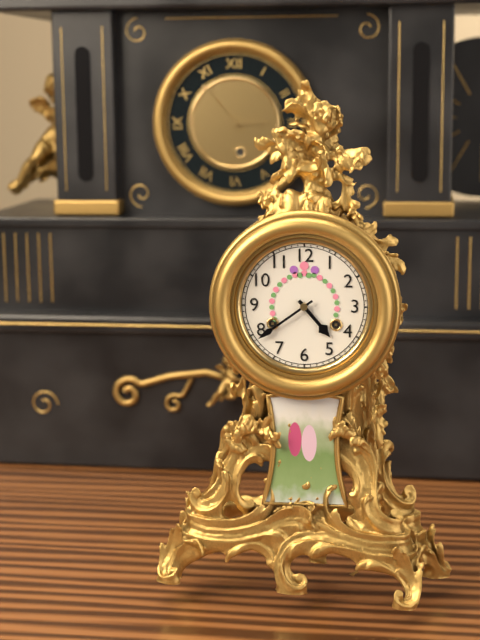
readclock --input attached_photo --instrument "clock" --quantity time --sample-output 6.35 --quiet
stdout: 4.39
